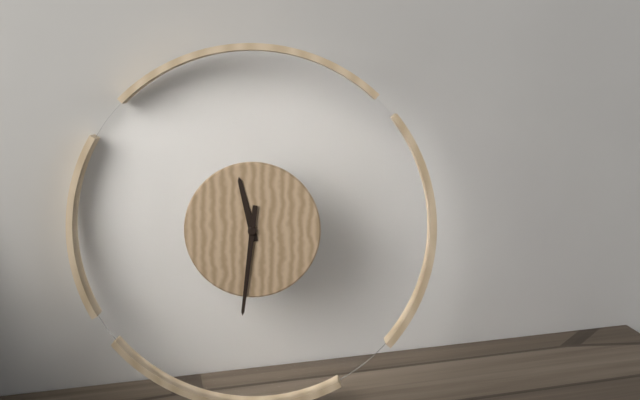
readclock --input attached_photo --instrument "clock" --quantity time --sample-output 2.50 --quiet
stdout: 11.31
